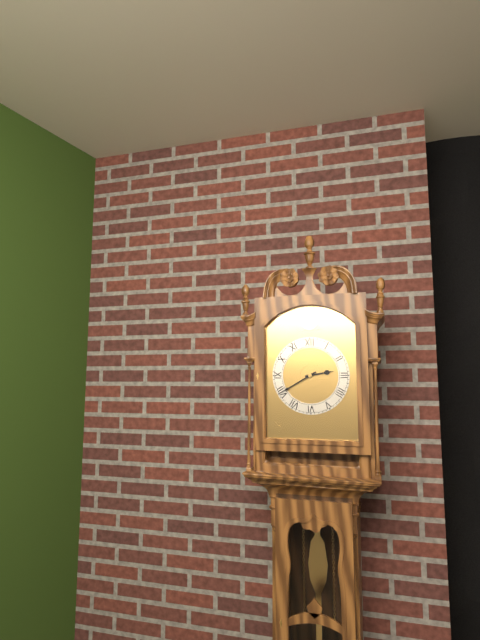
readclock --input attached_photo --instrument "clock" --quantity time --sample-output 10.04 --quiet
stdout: 2.40
